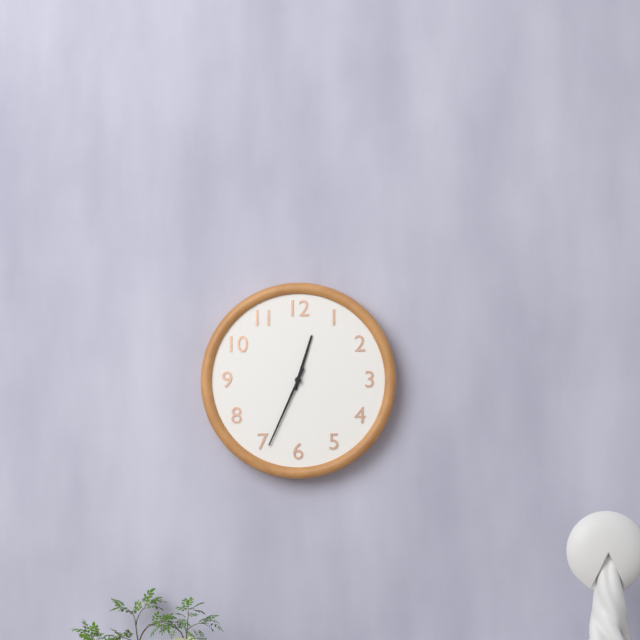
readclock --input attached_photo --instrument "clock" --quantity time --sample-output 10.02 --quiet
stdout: 12.34
